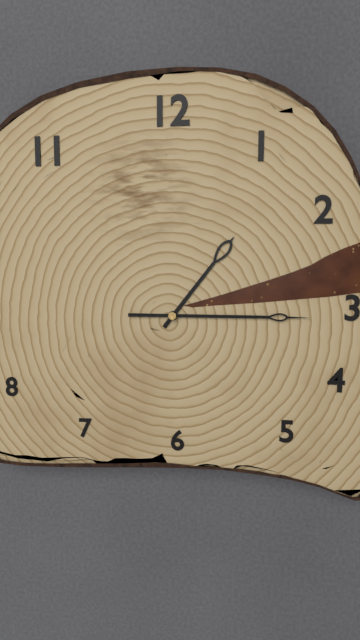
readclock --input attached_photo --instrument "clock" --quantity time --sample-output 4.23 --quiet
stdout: 1.15
